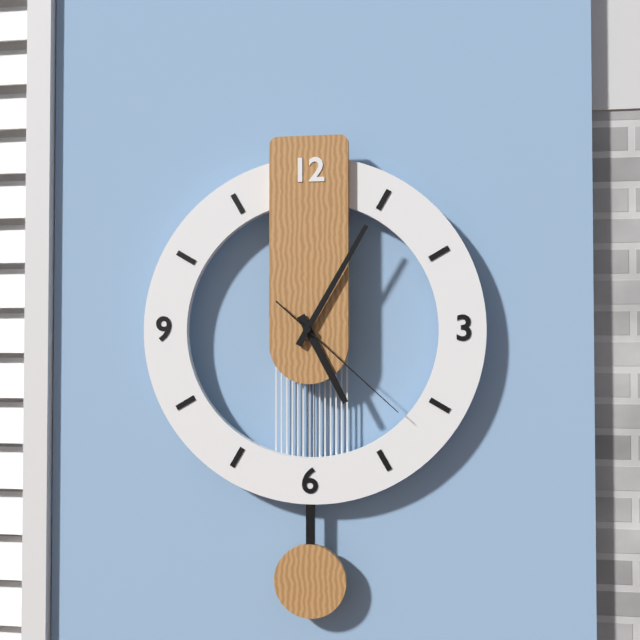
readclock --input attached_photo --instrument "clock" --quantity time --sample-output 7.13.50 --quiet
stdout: 5.05.22
